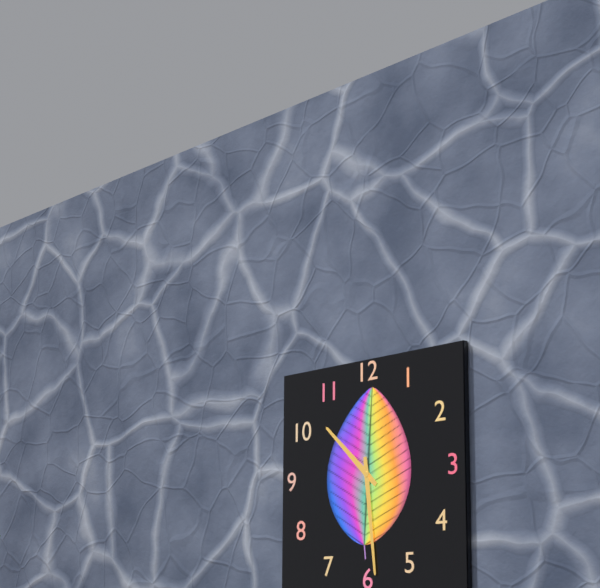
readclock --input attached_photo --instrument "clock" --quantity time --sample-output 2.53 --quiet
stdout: 10.29
